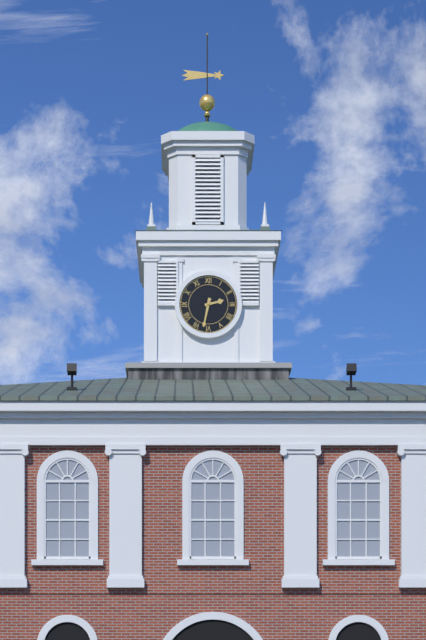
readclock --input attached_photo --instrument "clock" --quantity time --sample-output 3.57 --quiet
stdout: 2.32
